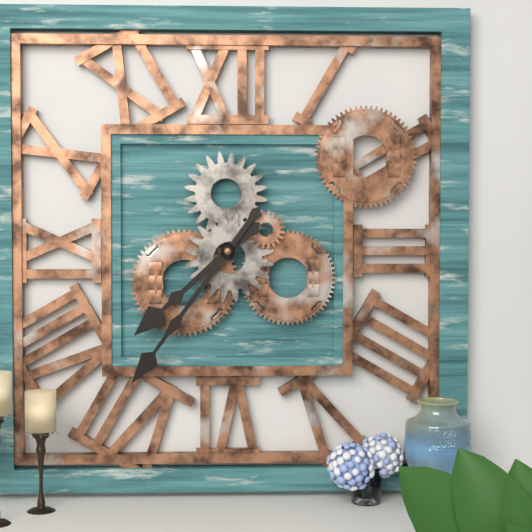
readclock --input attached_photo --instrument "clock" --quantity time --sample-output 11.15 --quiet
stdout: 7.36
